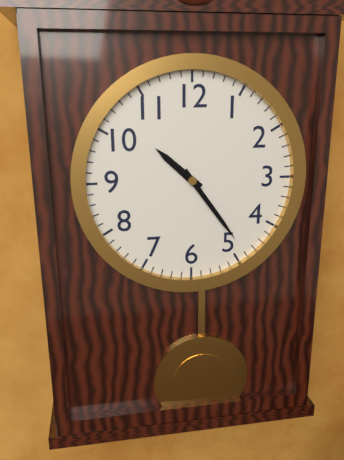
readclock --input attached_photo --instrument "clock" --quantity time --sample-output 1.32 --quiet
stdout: 10.24
